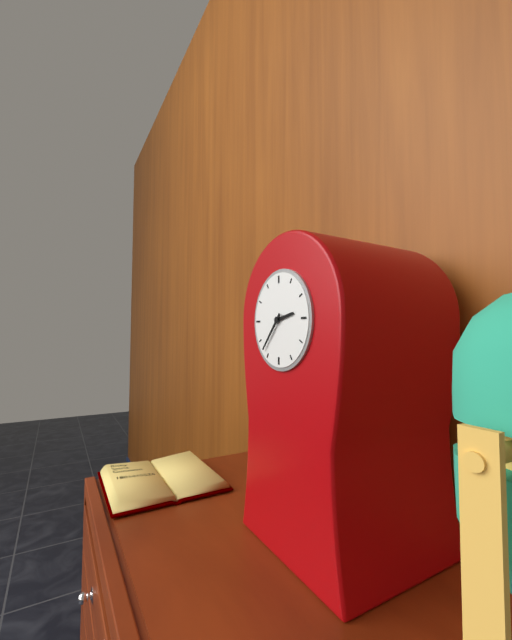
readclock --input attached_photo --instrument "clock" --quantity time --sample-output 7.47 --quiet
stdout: 2.37
